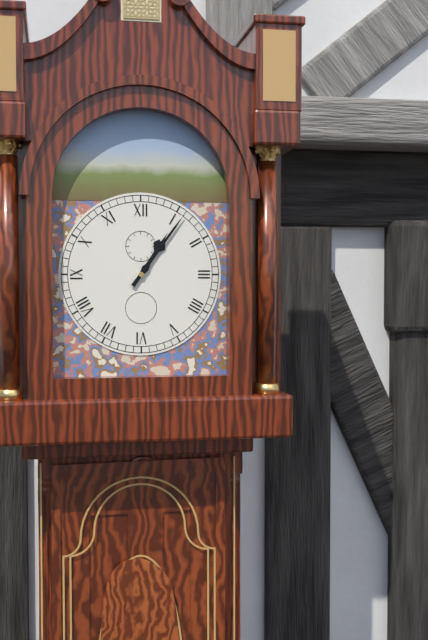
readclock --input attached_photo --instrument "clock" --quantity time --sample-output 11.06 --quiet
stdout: 1.06
